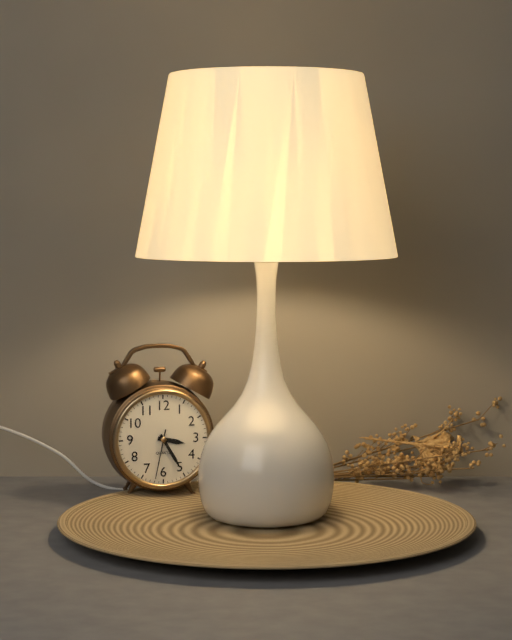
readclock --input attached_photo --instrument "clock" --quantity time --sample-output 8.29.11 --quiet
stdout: 3.25.32
